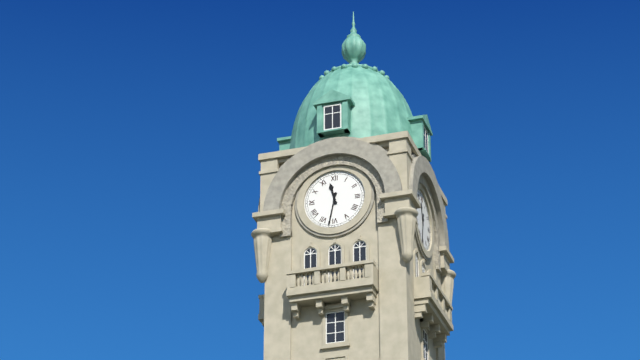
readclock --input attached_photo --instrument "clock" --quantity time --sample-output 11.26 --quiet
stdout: 11.32
